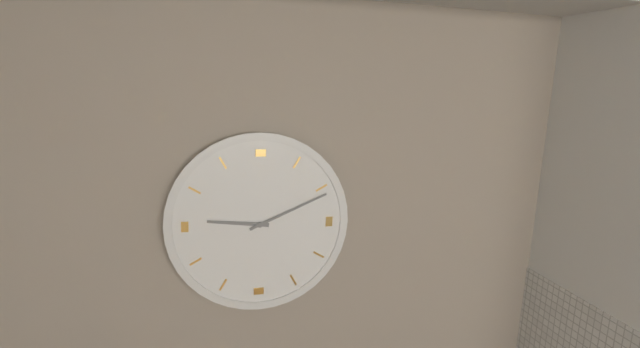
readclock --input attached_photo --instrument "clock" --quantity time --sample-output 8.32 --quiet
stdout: 9.11
